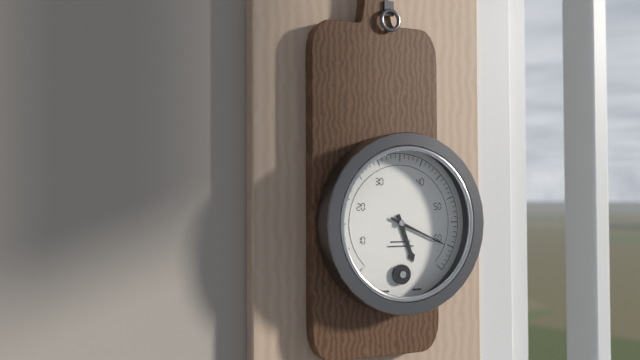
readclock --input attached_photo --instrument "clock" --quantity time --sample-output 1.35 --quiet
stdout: 5.19
